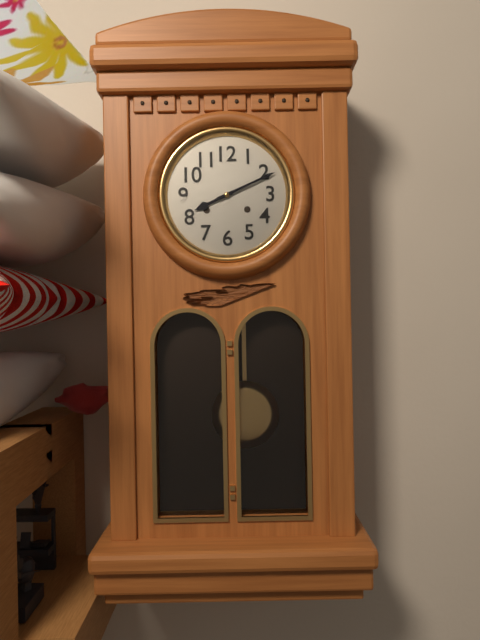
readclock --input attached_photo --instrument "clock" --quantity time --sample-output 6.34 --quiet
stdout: 8.11
